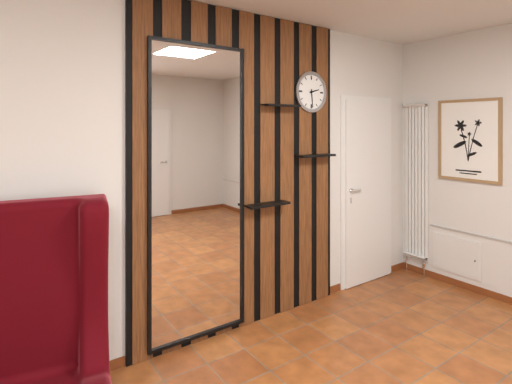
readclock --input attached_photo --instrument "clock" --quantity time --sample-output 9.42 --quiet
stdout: 2.29
